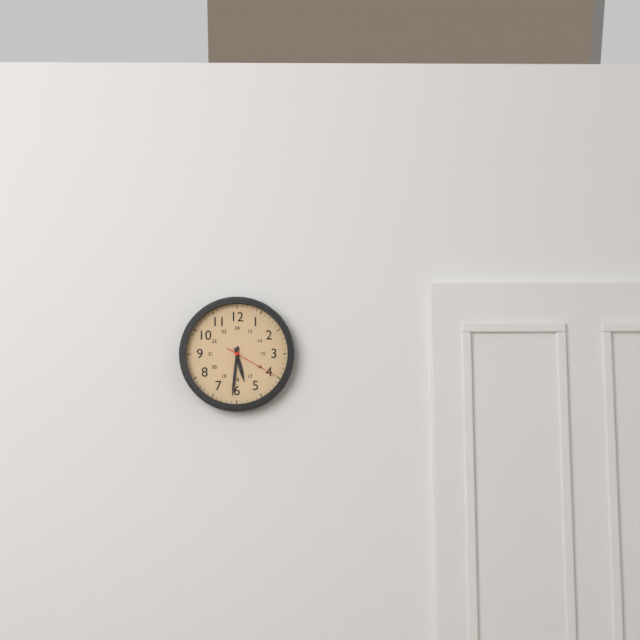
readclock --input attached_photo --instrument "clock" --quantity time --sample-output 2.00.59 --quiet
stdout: 5.31.20
